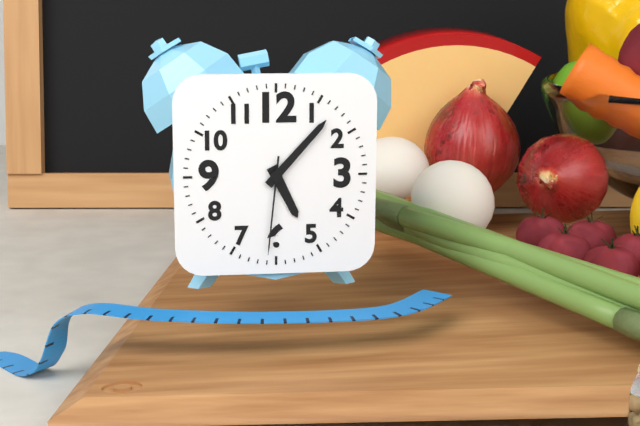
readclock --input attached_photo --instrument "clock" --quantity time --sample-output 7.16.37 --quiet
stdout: 5.07.31
